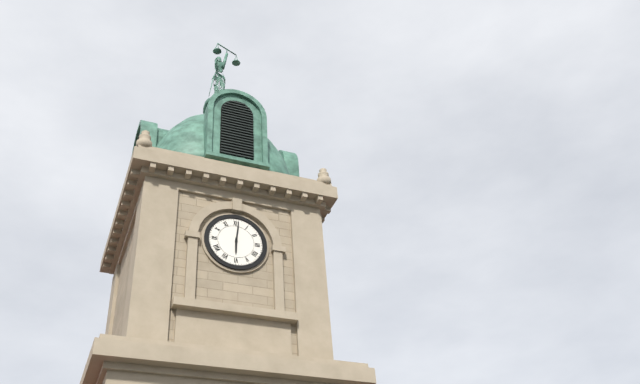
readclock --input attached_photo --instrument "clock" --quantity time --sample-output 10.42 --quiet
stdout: 6.01
